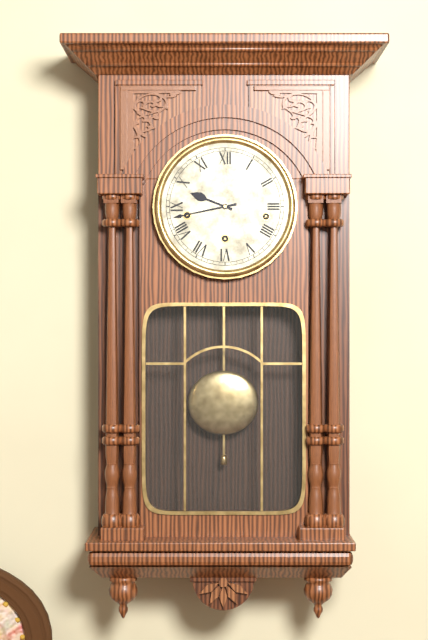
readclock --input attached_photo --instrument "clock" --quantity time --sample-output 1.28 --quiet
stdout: 9.43
